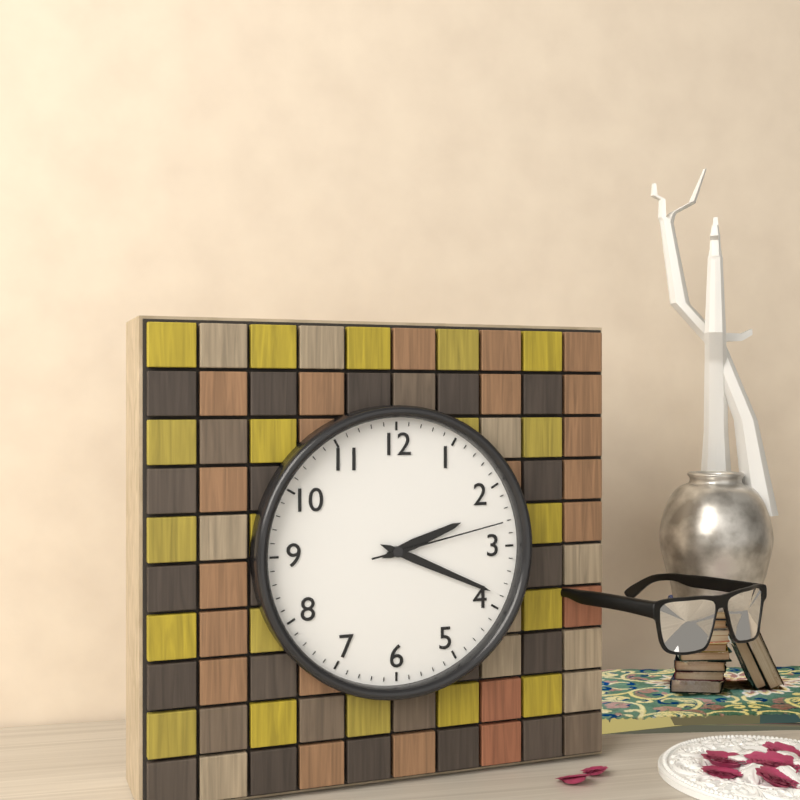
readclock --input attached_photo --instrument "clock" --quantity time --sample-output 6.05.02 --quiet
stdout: 2.19.13
